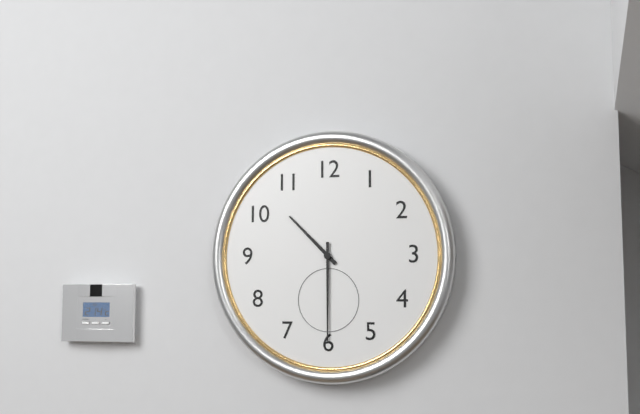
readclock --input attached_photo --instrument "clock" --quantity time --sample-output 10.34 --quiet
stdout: 10.30
